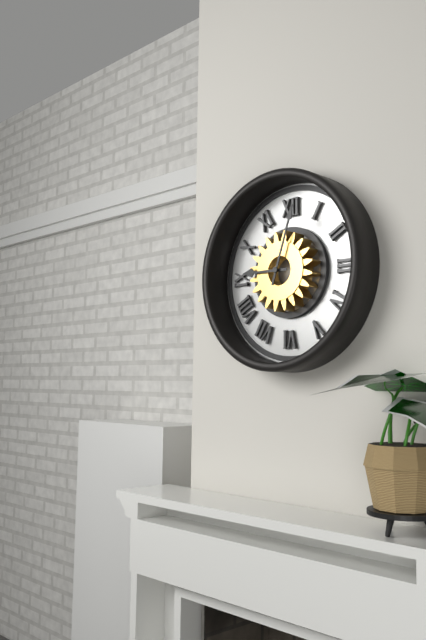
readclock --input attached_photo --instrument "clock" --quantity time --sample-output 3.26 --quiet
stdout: 9.03
